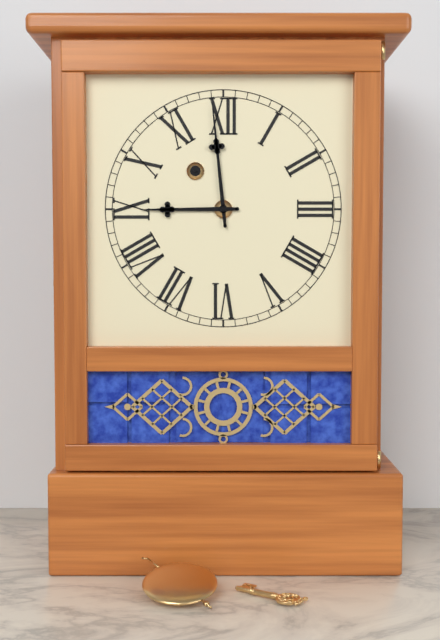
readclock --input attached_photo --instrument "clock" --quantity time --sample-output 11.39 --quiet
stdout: 8.59
